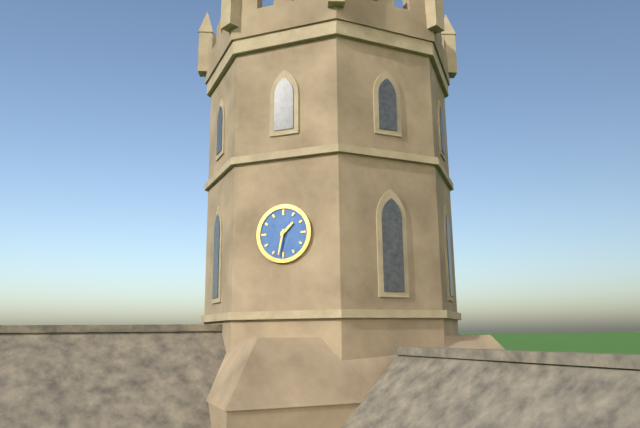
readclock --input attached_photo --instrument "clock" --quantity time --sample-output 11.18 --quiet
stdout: 1.32
